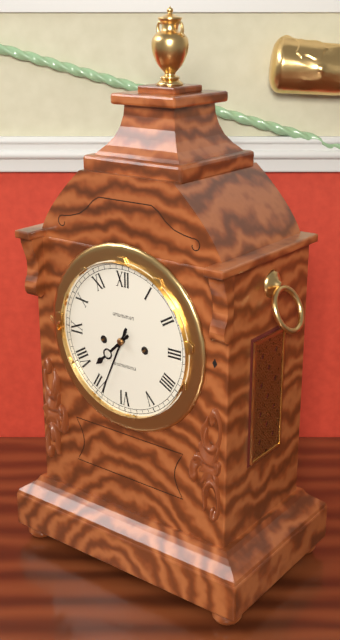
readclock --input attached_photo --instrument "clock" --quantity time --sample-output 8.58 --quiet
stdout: 7.34
